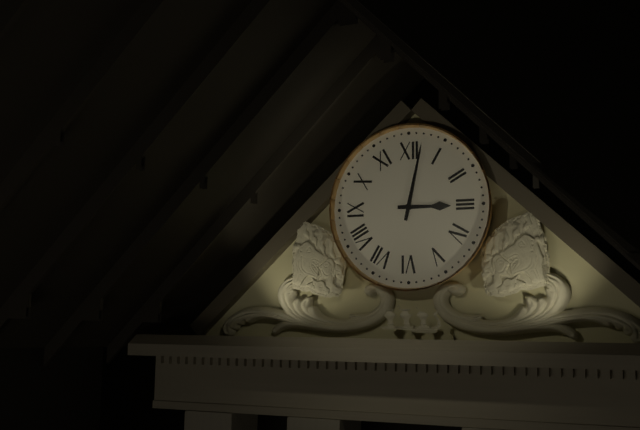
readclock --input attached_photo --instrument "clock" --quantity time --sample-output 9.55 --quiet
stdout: 3.02
